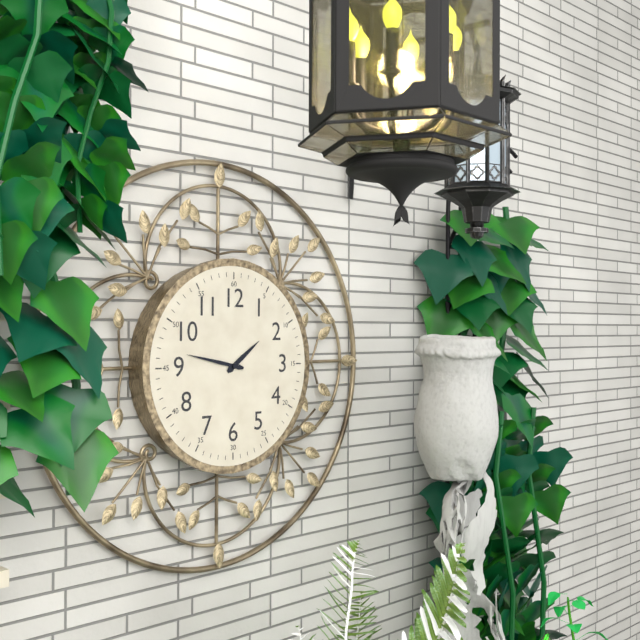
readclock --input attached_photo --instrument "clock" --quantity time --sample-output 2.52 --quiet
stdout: 1.47
